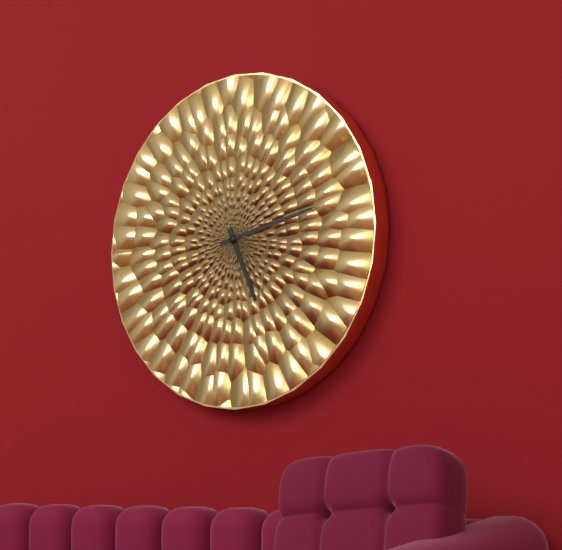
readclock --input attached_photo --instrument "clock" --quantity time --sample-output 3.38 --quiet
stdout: 5.13
